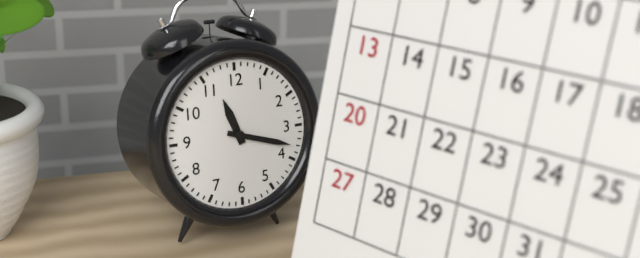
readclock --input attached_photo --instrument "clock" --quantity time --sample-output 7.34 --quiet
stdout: 11.18
